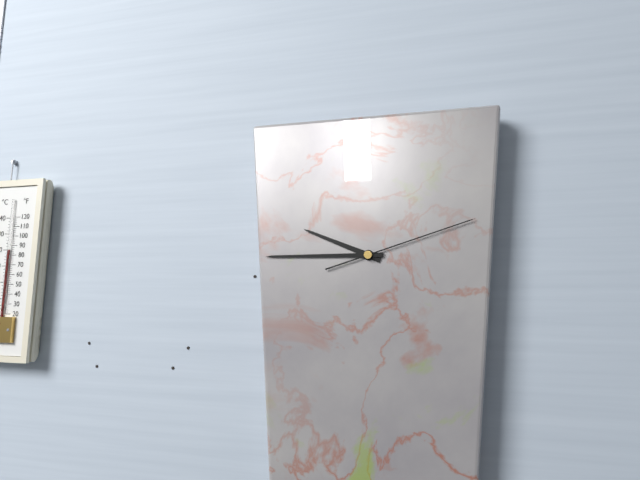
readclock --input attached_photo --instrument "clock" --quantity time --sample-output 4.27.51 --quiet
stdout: 9.45.12
